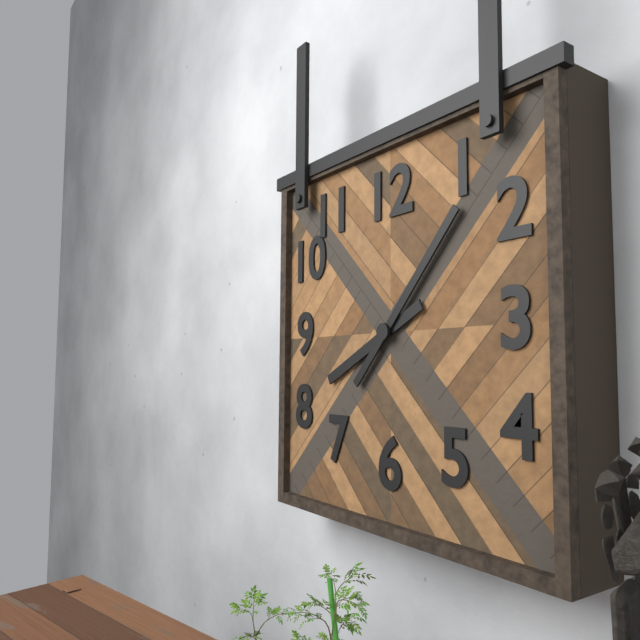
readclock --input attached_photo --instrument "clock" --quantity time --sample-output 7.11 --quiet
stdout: 8.07
